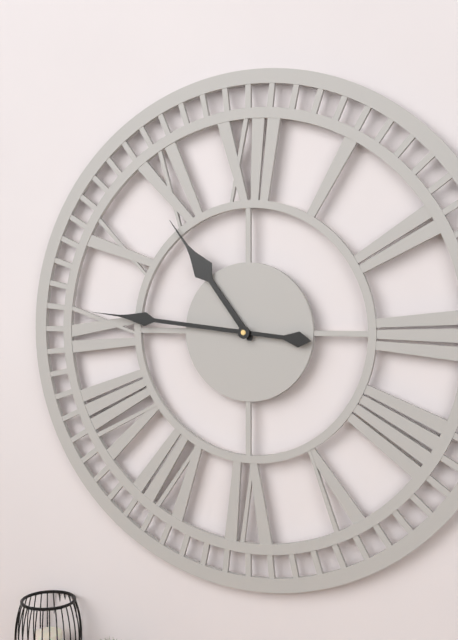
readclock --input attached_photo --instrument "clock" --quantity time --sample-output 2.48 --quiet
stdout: 10.46
